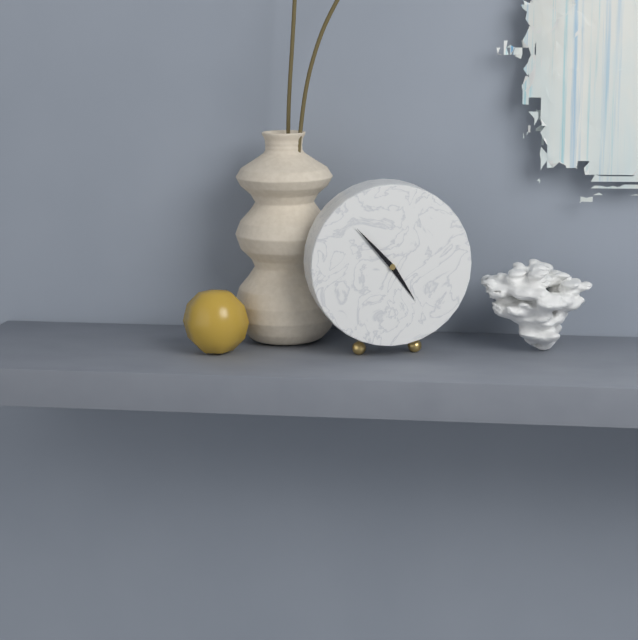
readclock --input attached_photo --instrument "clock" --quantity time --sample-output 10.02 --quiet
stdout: 4.53
